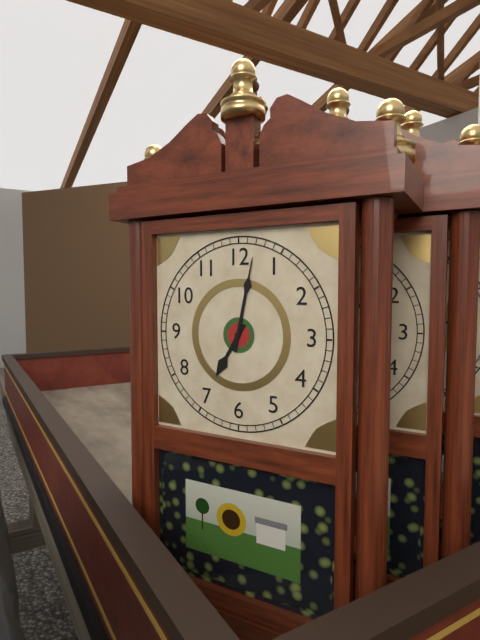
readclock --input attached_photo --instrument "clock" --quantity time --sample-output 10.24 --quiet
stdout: 7.02
